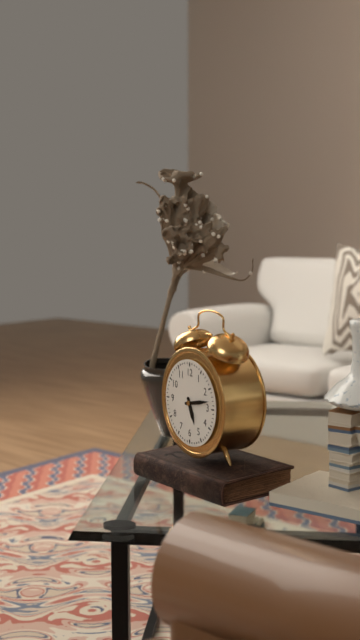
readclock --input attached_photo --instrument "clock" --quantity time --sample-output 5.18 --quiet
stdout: 5.13
